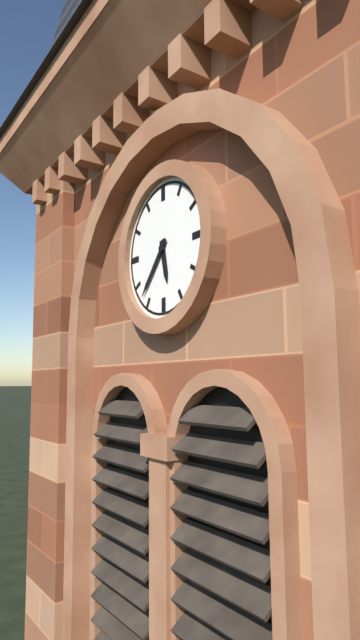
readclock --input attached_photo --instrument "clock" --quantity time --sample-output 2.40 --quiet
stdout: 5.37
